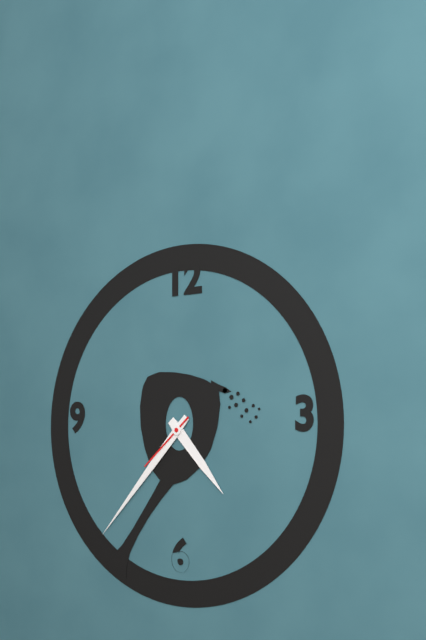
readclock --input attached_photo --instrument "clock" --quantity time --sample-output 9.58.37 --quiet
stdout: 4.37.38
